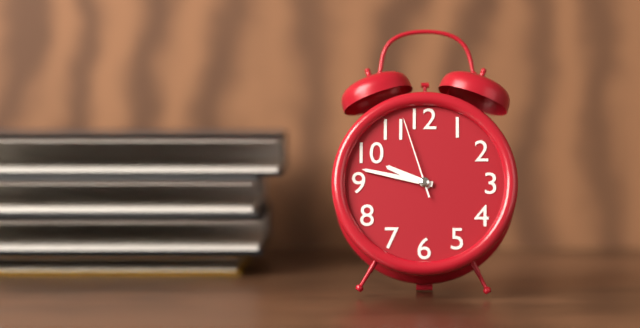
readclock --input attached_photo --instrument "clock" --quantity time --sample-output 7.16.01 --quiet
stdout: 9.47.57
